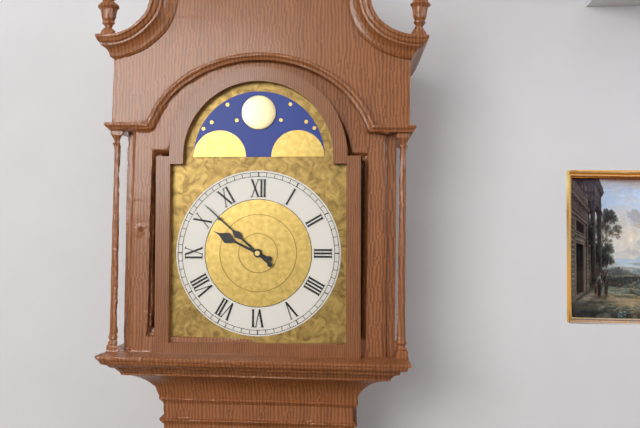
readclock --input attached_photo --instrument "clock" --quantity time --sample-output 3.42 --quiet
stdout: 9.52
